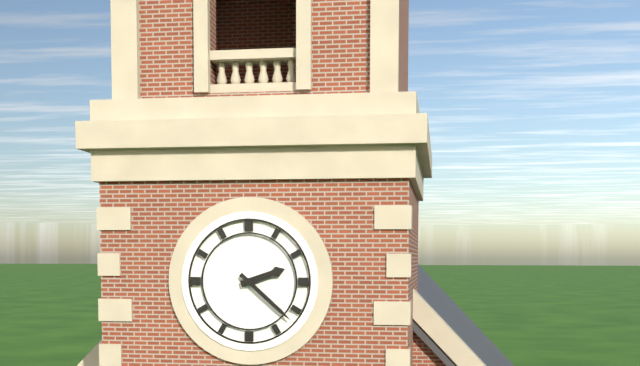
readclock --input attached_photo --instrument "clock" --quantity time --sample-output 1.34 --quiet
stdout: 2.22
